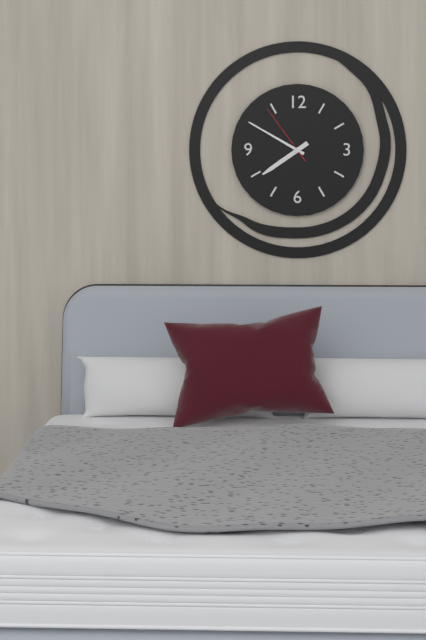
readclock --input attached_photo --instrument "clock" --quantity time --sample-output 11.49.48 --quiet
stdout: 7.50.54
